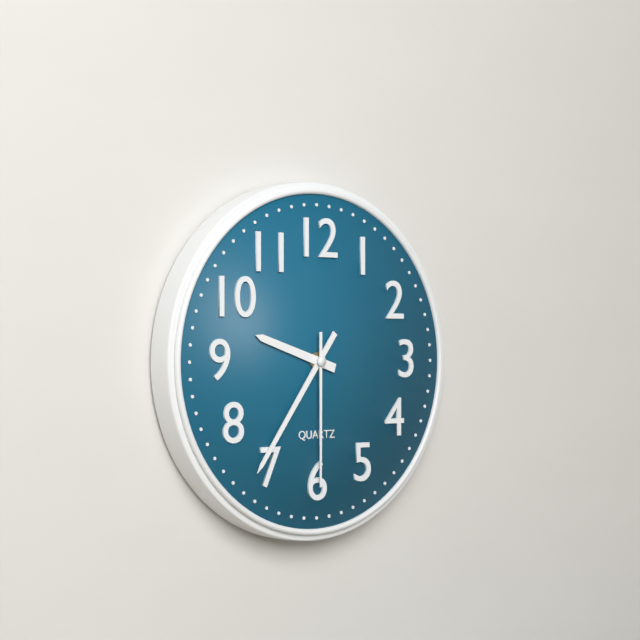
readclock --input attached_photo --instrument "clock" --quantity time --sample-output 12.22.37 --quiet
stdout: 9.36.30
